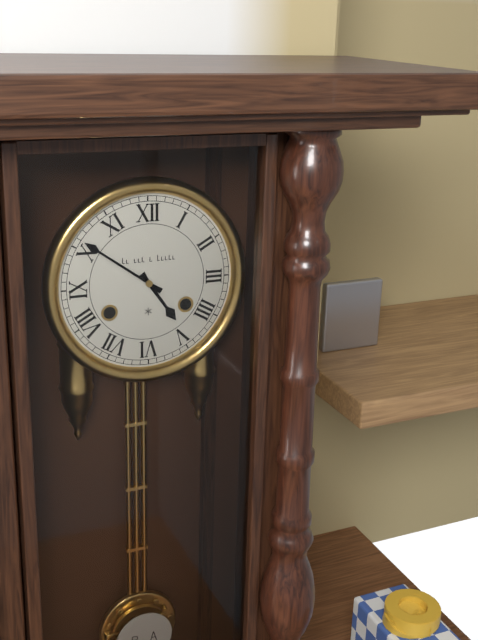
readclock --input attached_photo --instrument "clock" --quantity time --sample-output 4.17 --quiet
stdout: 4.51
